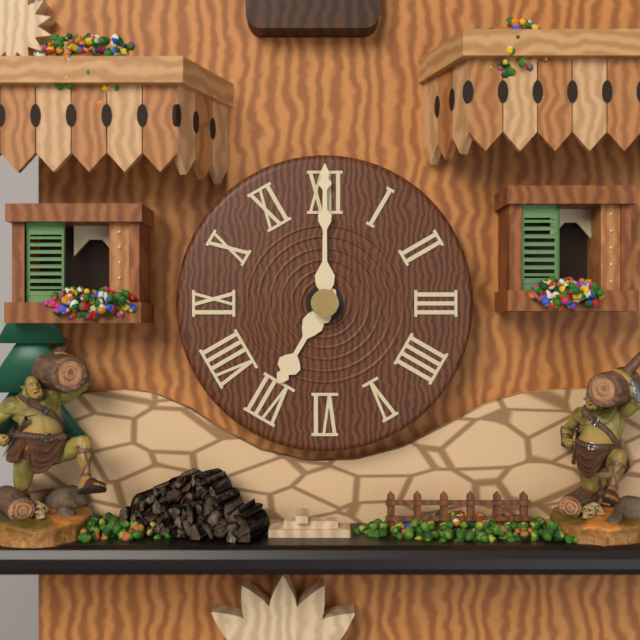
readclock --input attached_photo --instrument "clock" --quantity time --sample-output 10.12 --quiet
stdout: 7.00
